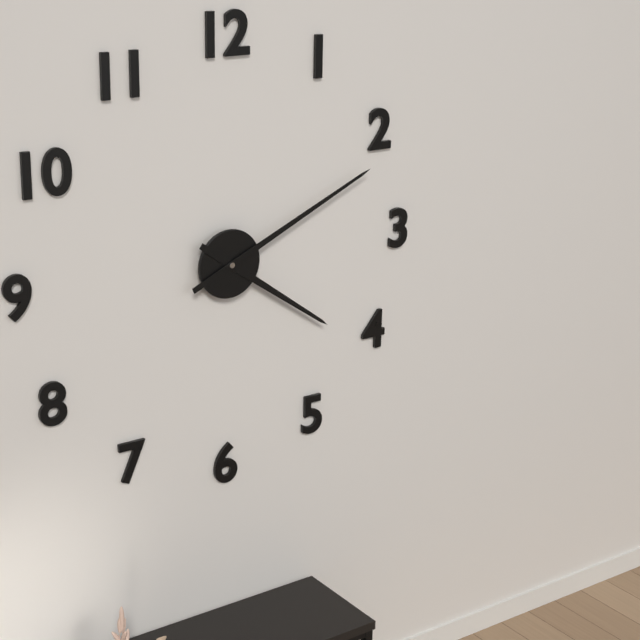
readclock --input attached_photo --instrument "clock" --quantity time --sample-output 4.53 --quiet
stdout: 4.11
